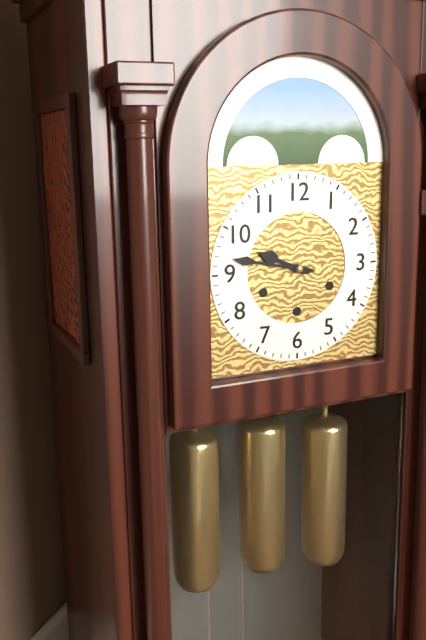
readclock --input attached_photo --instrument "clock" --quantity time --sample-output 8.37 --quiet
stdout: 9.47
